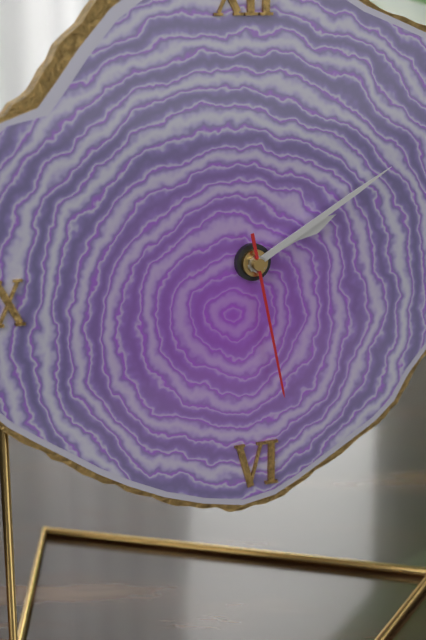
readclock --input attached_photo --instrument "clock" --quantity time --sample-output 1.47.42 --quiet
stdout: 2.10.28
